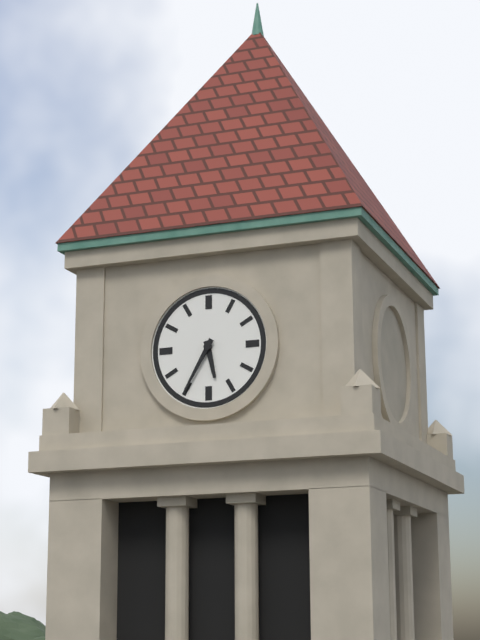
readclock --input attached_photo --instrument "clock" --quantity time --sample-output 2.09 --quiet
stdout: 5.35
